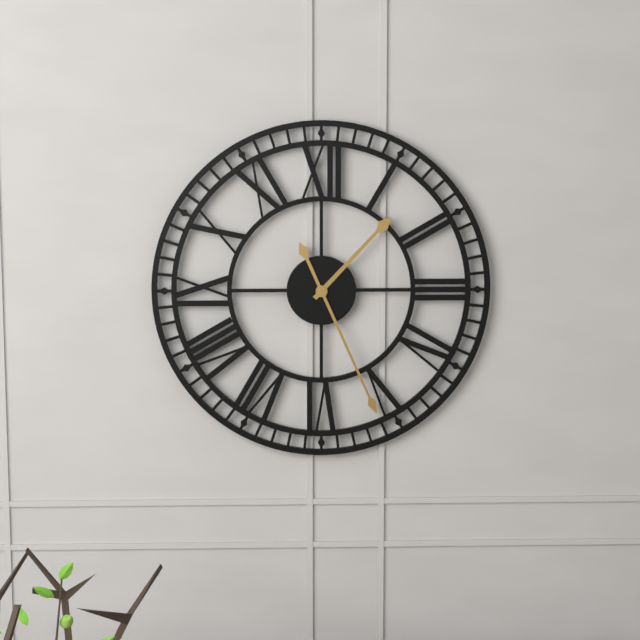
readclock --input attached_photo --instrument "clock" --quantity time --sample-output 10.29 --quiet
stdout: 1.26
